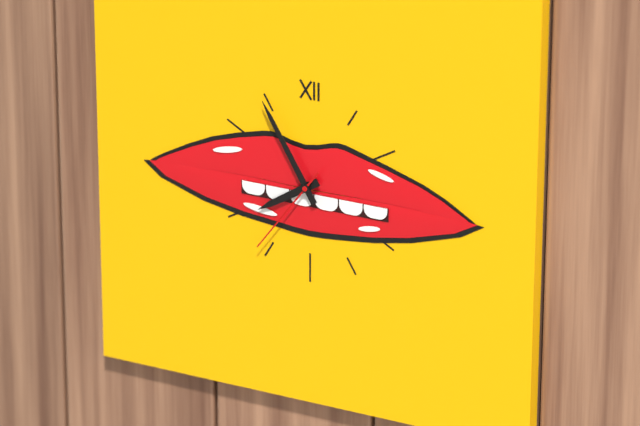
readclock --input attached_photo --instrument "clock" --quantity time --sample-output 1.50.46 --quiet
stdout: 7.55.36
